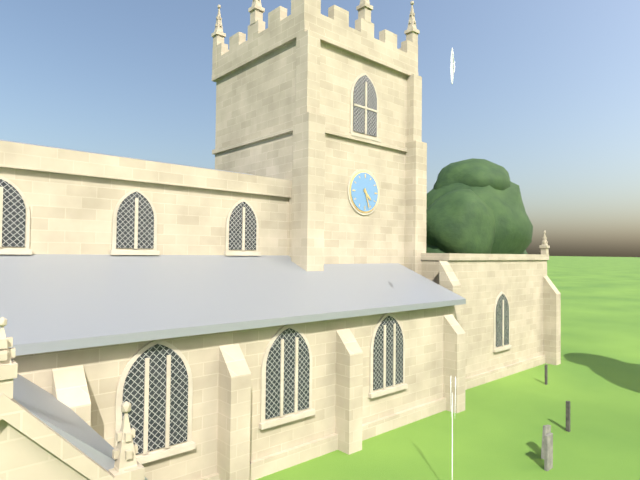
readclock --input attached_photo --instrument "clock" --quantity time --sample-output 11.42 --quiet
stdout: 4.27
